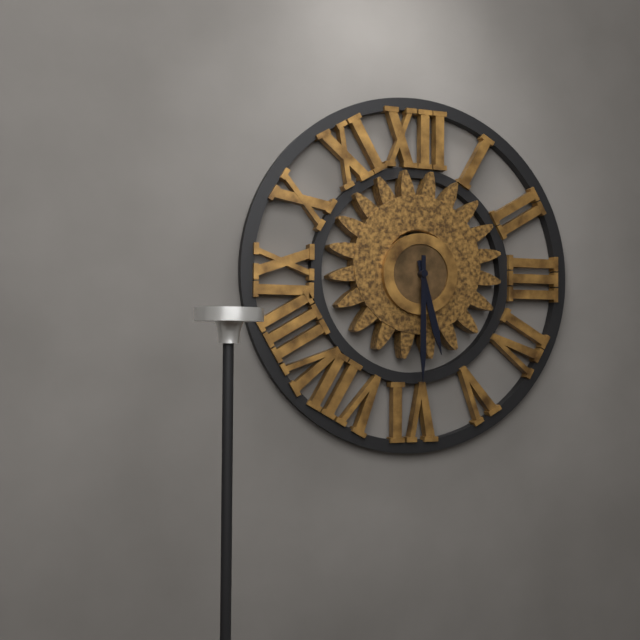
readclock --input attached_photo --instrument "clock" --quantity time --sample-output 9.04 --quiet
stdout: 5.30
